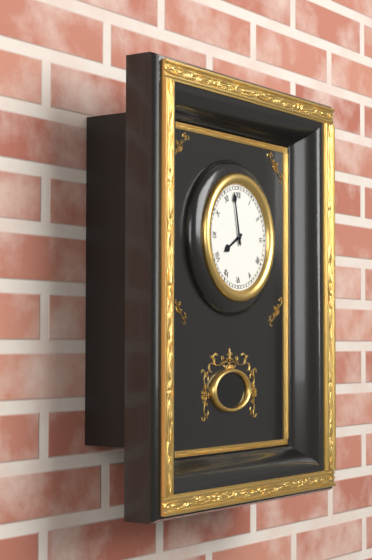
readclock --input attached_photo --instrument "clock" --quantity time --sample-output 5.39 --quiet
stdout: 7.58
